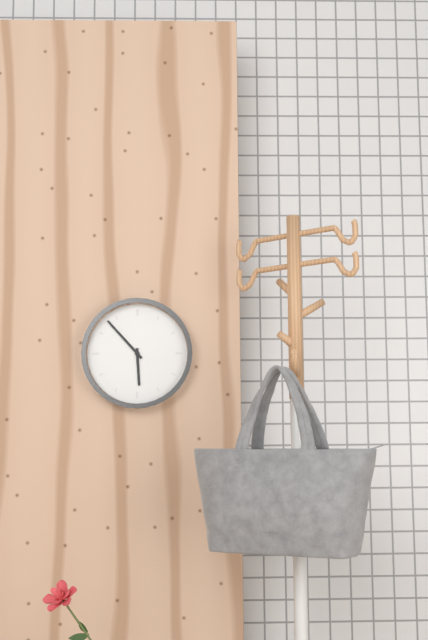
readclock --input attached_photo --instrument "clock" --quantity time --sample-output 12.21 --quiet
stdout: 5.53
